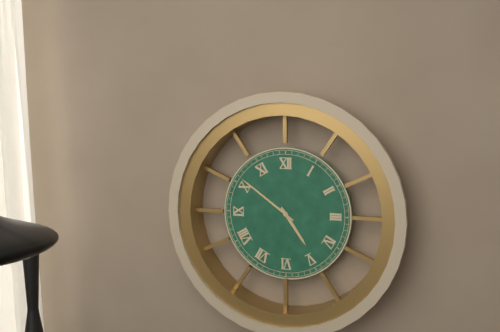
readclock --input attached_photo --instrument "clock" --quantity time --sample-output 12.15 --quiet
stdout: 4.51
